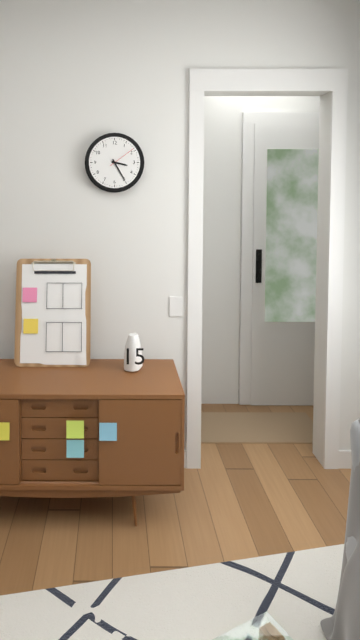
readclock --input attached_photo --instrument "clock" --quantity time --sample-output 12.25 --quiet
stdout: 3.25
